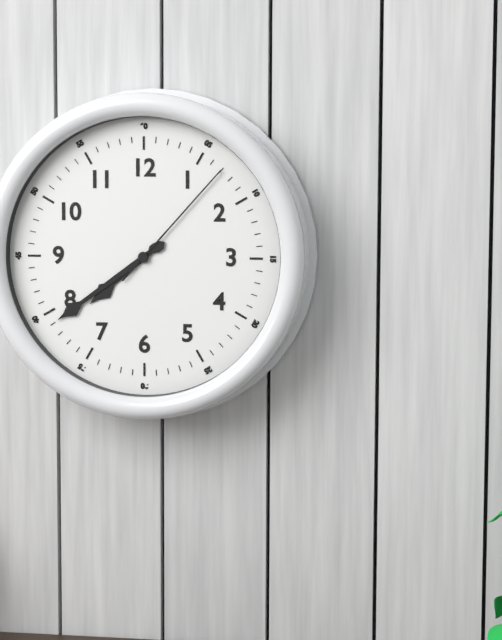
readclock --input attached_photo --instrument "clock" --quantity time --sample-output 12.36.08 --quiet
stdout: 7.39.07
